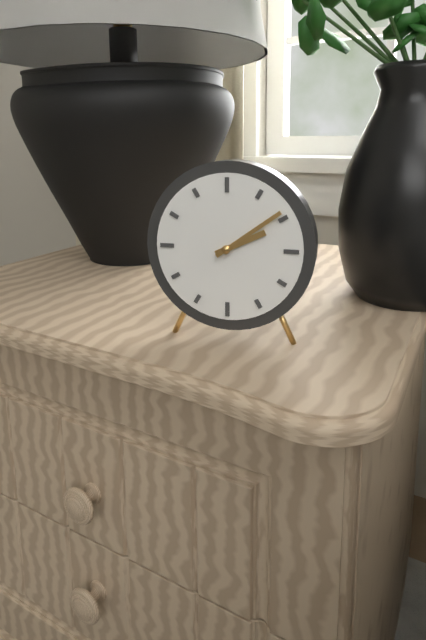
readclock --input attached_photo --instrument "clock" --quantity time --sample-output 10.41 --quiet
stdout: 2.09
